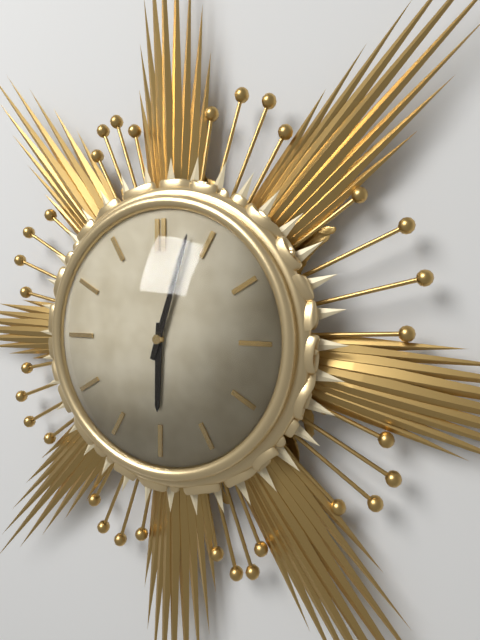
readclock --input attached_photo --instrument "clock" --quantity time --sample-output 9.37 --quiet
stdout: 6.03
